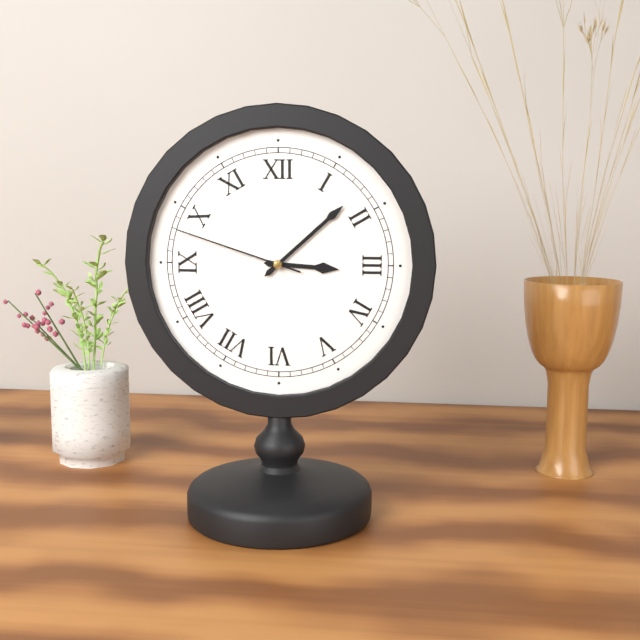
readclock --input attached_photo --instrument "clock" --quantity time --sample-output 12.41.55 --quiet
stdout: 3.08.48
